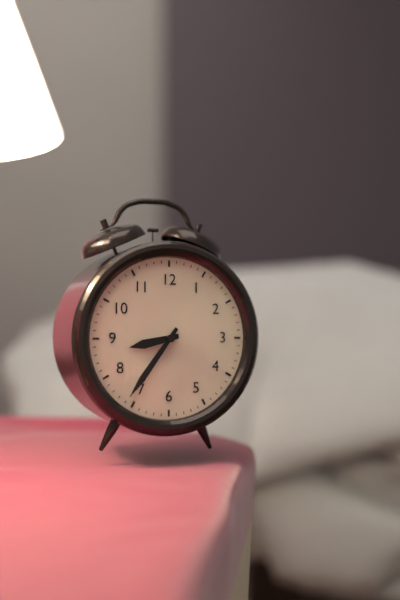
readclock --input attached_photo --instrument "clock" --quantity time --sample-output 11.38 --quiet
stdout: 8.36
